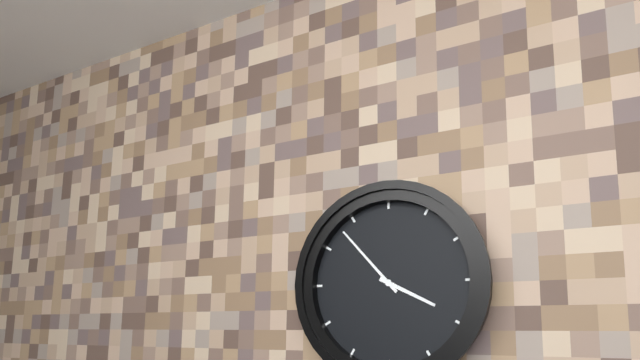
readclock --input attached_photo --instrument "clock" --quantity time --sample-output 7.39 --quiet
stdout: 3.53
